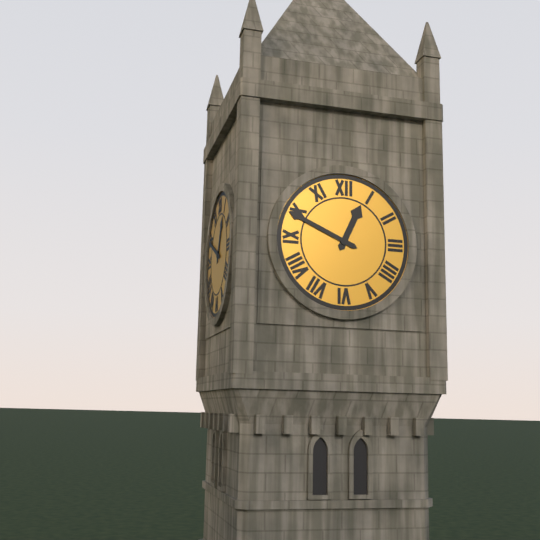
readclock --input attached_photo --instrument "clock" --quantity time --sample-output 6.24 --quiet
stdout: 12.49
